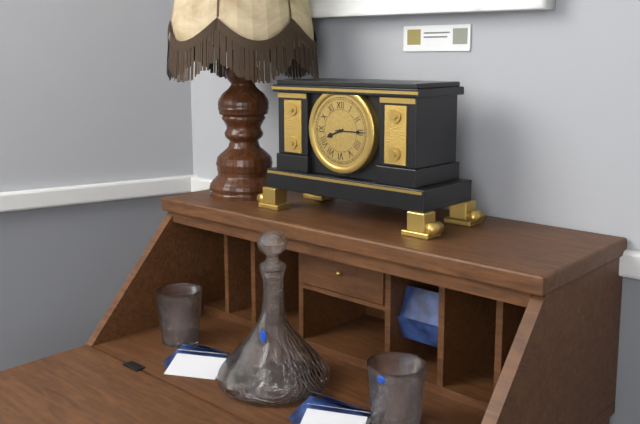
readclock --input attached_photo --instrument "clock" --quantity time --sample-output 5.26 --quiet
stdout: 8.15
